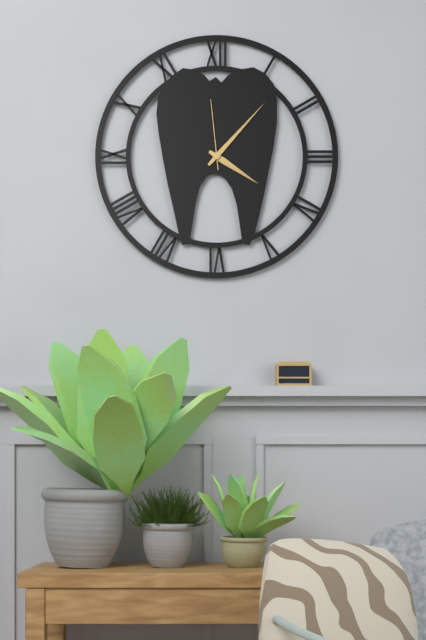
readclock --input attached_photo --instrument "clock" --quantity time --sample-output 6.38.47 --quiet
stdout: 4.07.59
